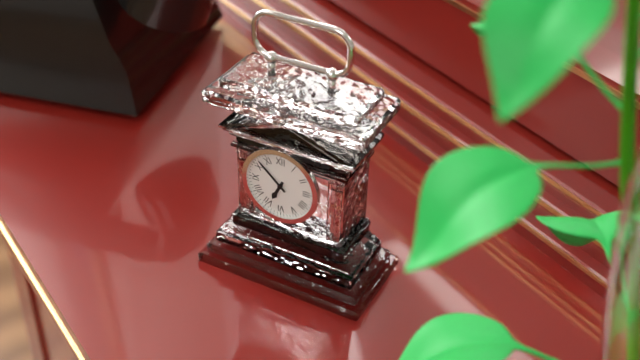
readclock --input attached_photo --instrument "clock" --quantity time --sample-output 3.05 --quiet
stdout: 6.52
